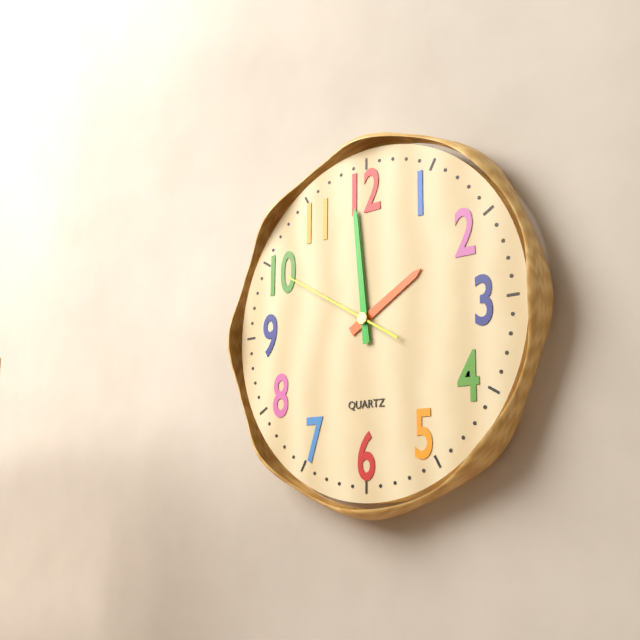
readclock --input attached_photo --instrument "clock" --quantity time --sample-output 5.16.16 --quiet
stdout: 1.59.50
